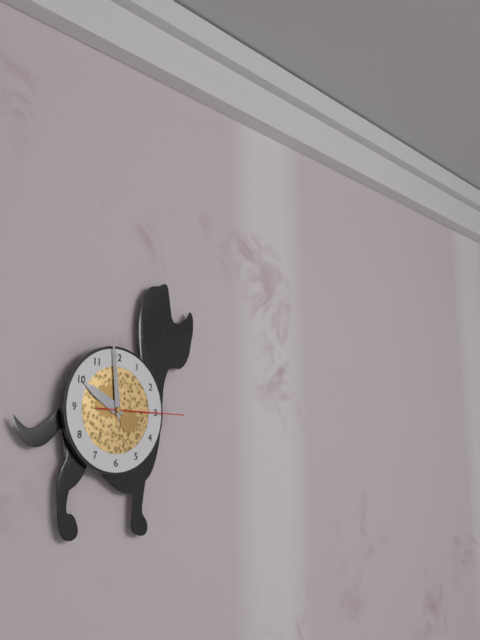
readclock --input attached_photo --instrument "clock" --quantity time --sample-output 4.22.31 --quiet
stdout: 9.59.15
